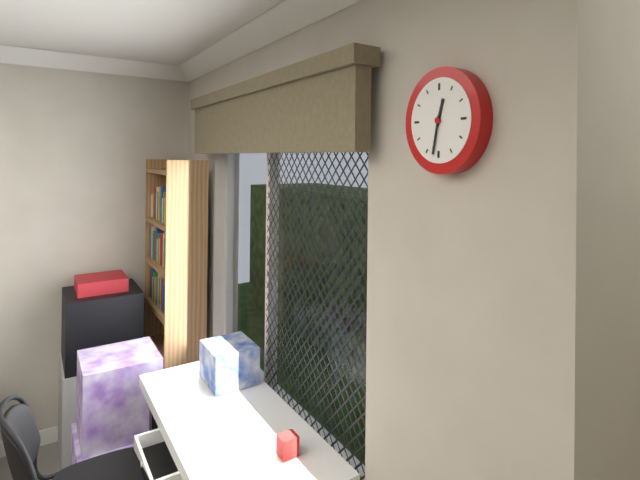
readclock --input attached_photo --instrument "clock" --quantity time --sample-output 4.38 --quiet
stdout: 12.32
